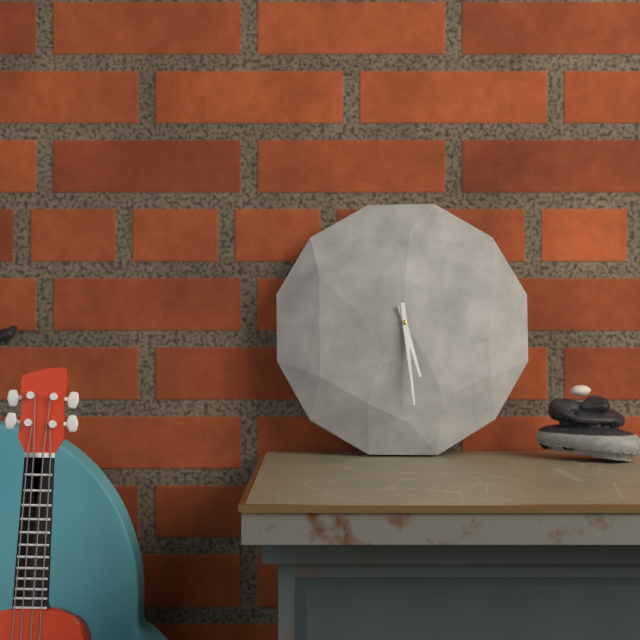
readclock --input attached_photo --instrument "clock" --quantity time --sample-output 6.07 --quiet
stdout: 5.29
